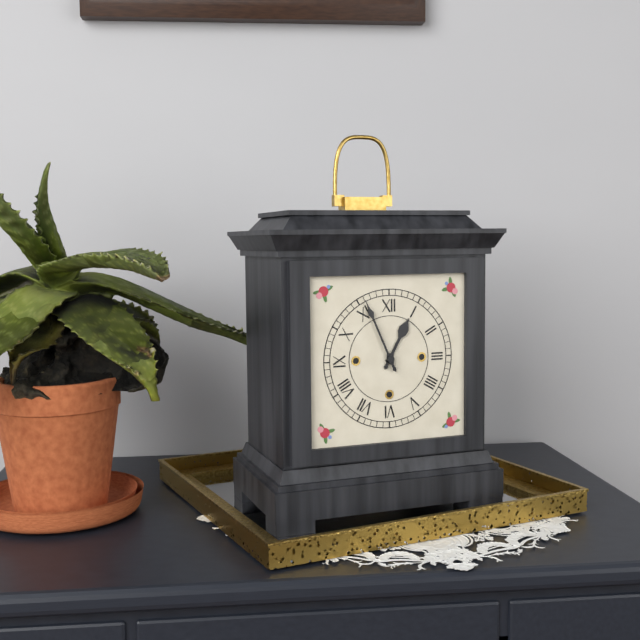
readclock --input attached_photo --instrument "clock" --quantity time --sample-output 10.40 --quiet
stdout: 12.56
